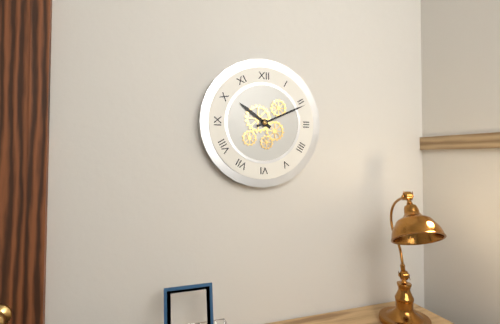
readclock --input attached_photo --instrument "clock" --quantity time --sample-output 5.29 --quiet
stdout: 10.11
